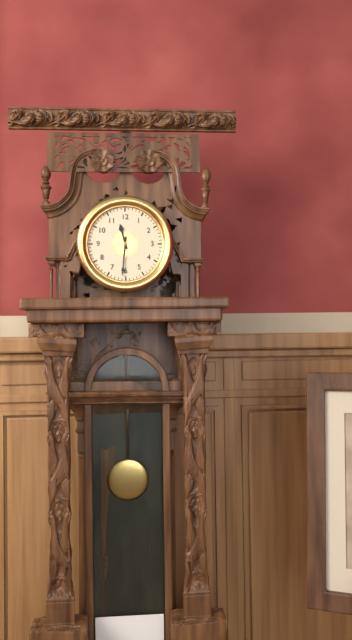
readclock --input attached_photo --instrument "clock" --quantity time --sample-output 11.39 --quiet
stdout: 11.31
